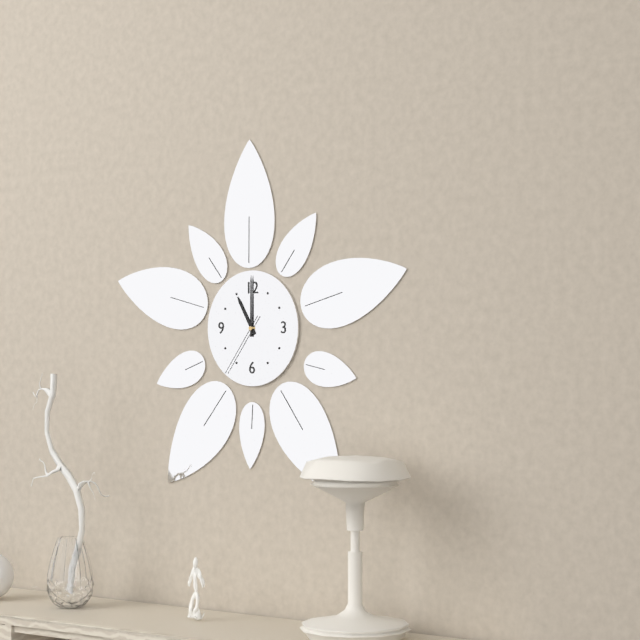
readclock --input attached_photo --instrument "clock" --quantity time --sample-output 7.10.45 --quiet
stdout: 11.00.36
